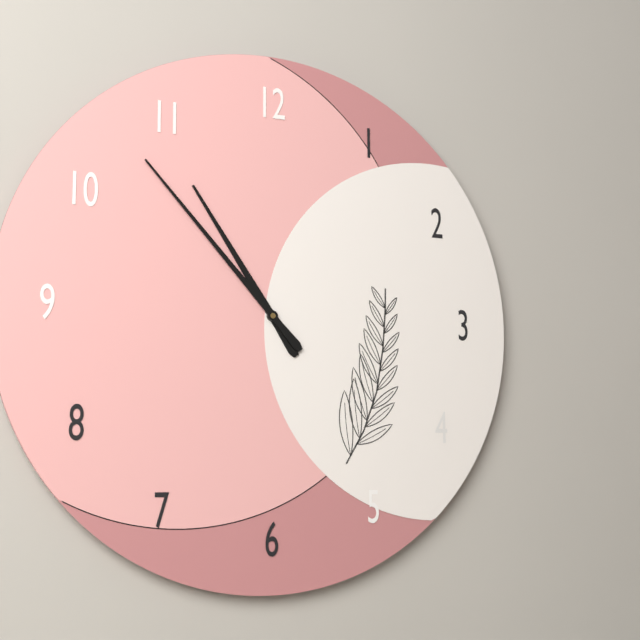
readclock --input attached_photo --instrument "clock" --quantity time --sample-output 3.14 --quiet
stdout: 10.53
